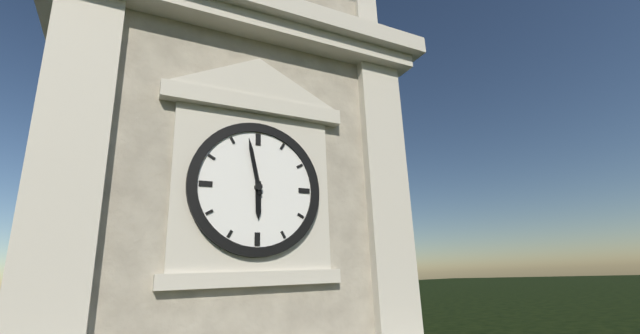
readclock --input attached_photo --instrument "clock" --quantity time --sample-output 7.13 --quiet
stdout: 5.58
